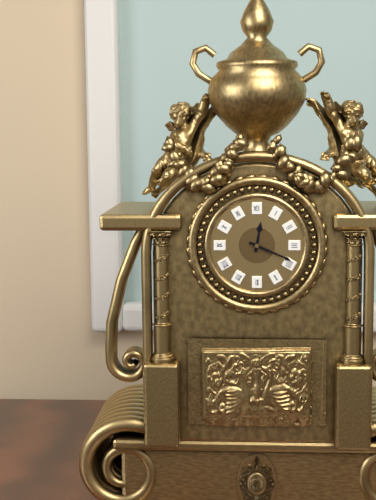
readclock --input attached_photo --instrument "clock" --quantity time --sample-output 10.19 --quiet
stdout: 12.19
